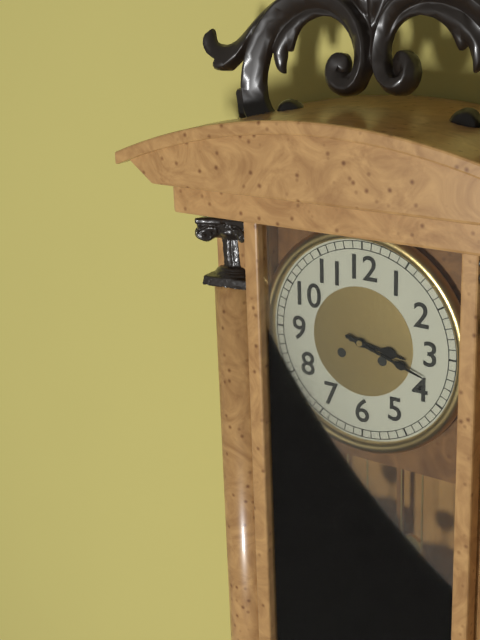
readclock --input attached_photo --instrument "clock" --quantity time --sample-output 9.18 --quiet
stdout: 3.18
